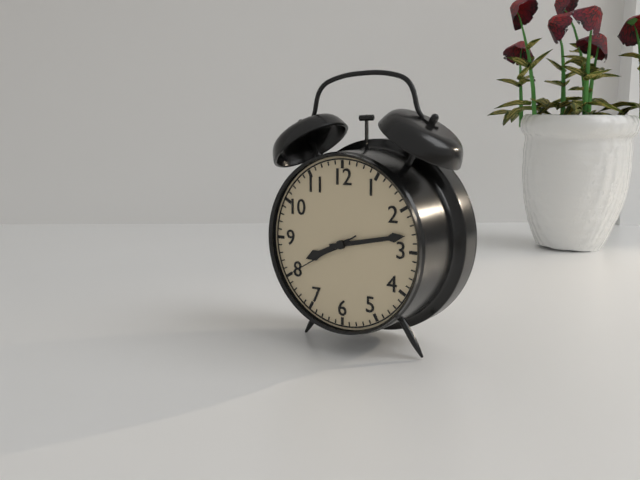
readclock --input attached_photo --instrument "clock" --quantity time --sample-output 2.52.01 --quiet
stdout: 8.13.40
